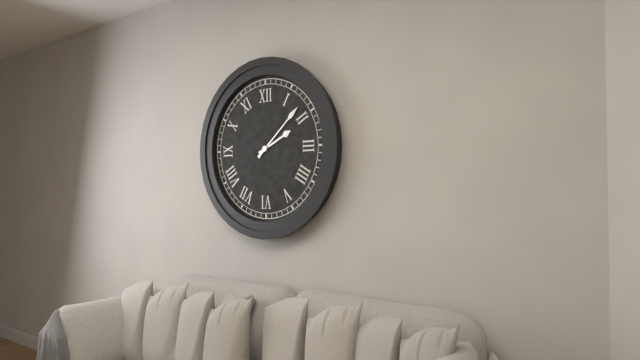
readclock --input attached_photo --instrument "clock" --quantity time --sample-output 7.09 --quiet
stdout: 2.08
